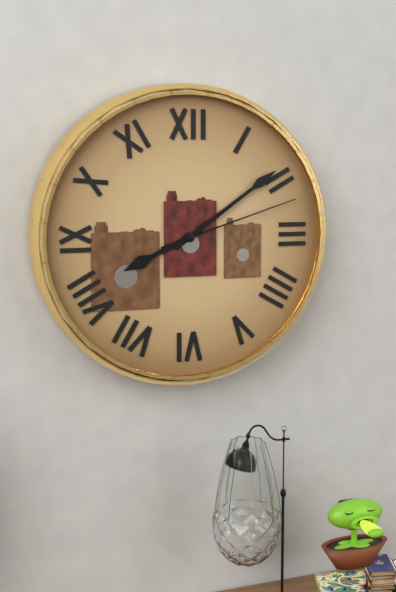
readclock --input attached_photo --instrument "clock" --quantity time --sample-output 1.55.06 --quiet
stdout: 8.09.12
